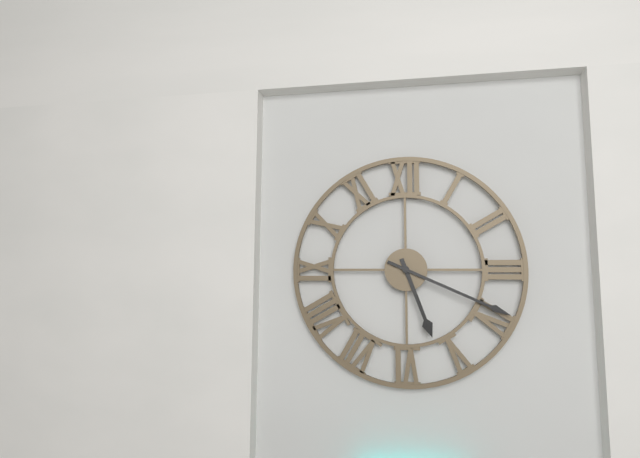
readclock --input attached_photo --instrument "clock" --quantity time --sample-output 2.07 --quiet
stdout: 5.19
